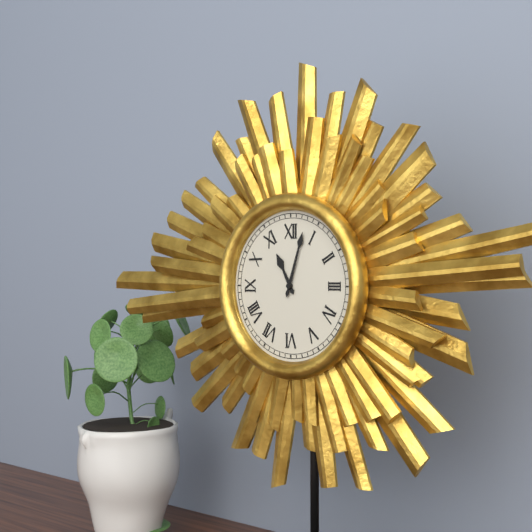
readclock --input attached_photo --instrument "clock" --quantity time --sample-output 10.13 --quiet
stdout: 11.03
